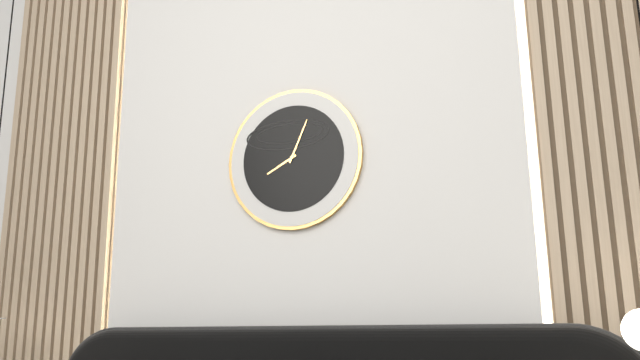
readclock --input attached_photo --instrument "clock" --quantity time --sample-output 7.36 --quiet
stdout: 8.04
